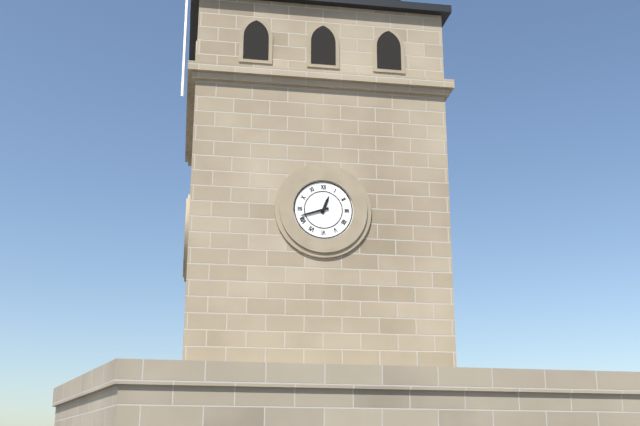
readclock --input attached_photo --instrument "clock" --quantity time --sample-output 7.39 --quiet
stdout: 12.42
